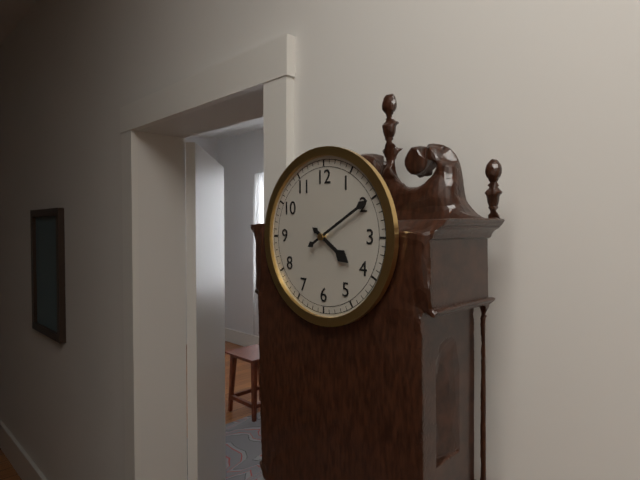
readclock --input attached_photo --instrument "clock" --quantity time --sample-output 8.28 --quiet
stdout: 4.10
